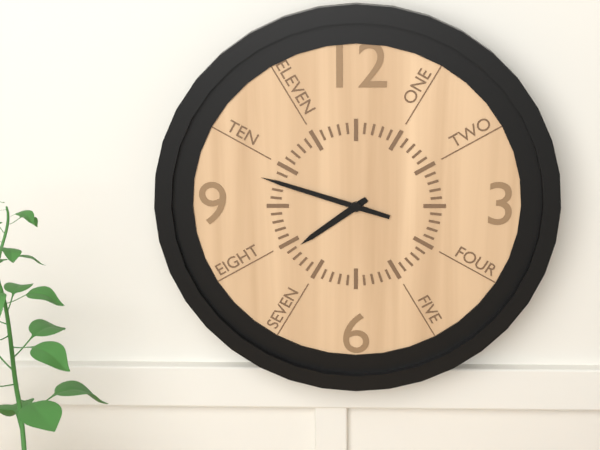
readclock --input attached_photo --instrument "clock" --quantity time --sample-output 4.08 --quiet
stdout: 7.48
